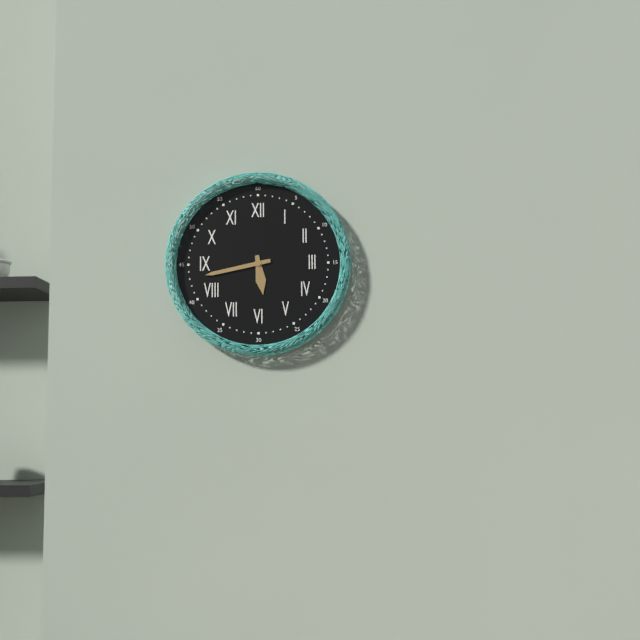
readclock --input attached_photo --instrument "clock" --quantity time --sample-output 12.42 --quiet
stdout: 5.43
